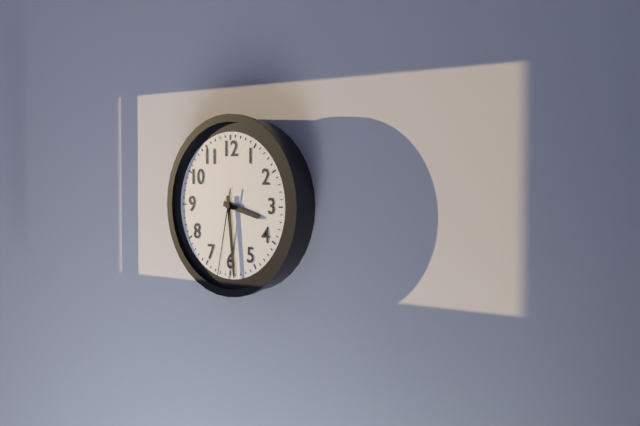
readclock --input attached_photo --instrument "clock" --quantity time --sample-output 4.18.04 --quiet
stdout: 3.29.32
